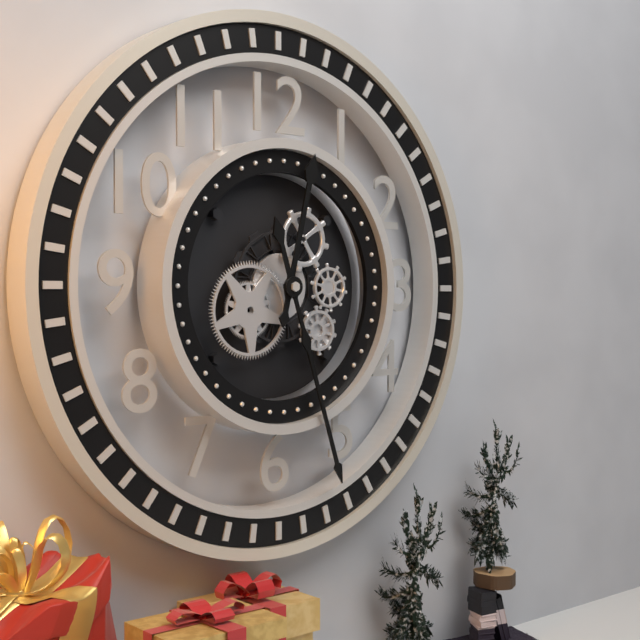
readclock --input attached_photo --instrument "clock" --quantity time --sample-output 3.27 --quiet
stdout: 12.27
